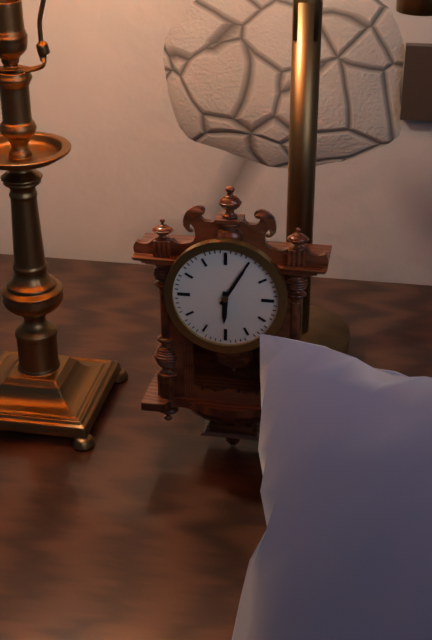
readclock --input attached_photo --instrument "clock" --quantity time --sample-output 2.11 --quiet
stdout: 6.05
